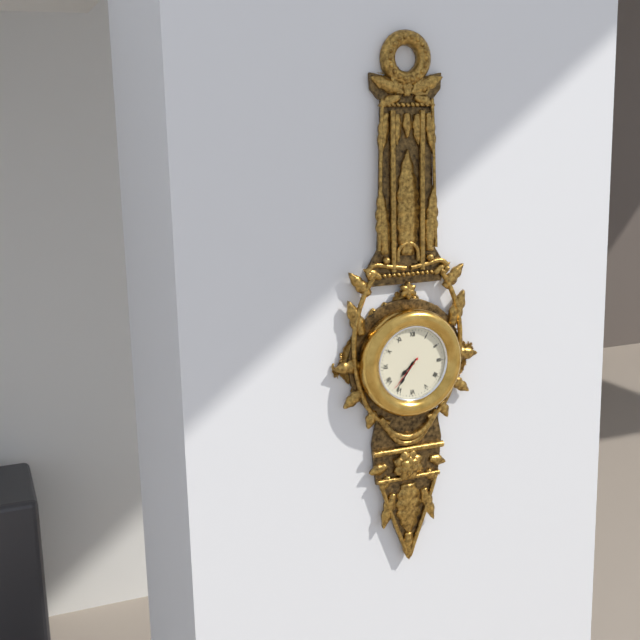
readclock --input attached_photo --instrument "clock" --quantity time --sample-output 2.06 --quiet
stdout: 7.36
